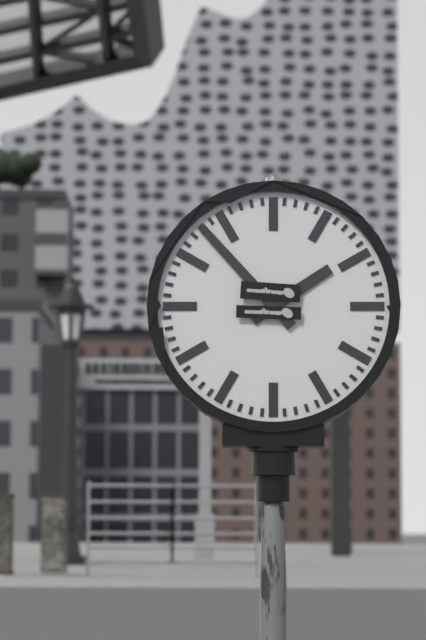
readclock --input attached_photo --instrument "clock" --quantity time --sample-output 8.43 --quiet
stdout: 1.53
